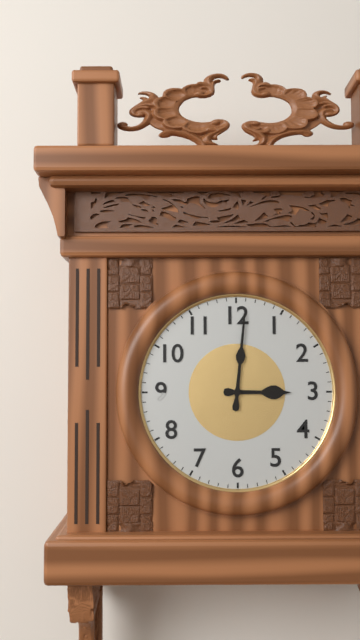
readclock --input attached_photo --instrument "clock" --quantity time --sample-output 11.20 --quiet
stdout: 3.01
